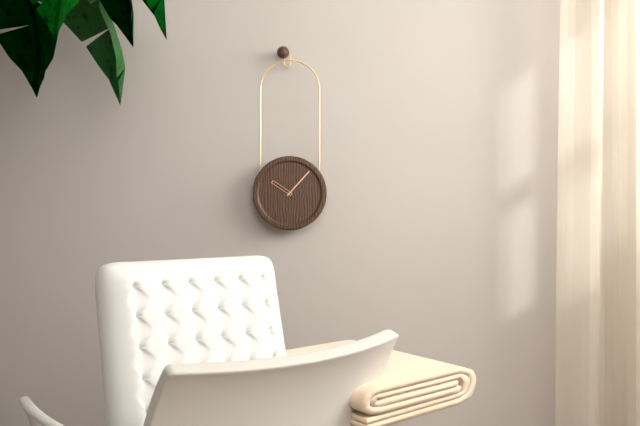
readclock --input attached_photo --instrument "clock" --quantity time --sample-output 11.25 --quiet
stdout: 10.07
